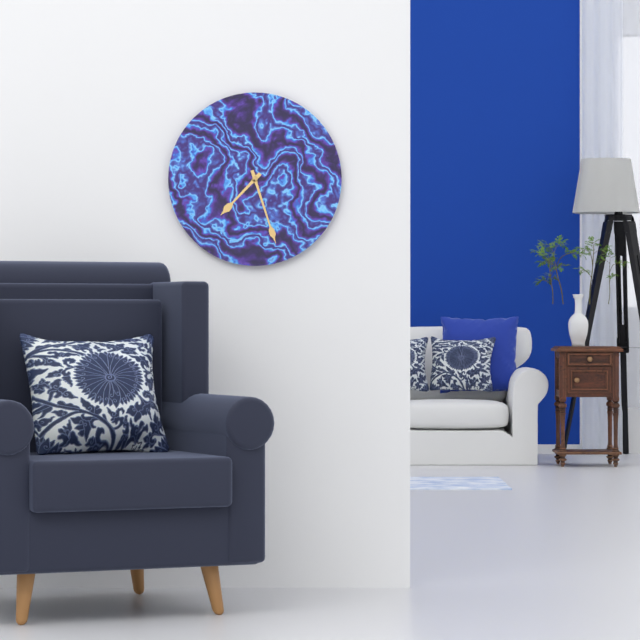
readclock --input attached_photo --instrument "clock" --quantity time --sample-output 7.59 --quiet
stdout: 7.27
